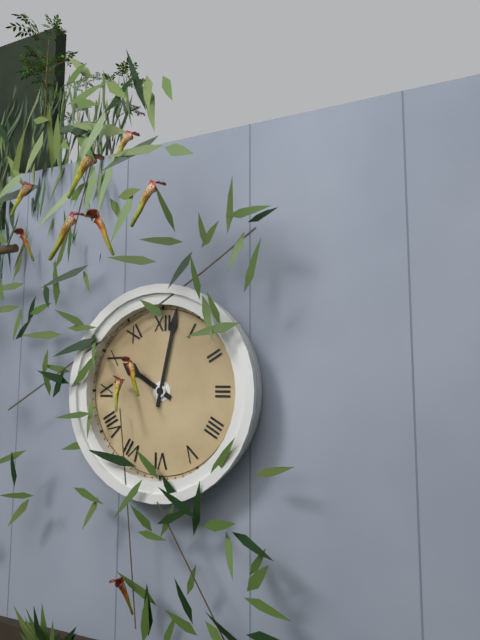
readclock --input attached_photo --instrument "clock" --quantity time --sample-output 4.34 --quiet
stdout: 10.02
